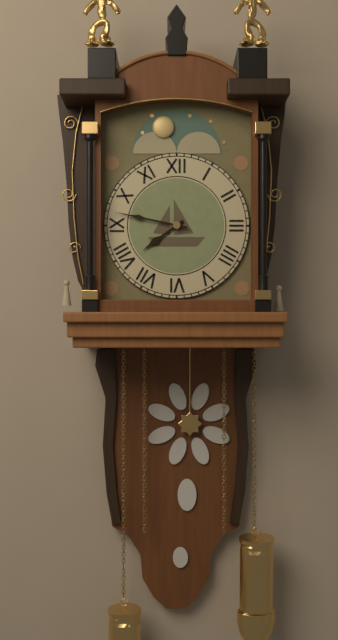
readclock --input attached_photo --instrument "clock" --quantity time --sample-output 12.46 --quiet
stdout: 7.47
